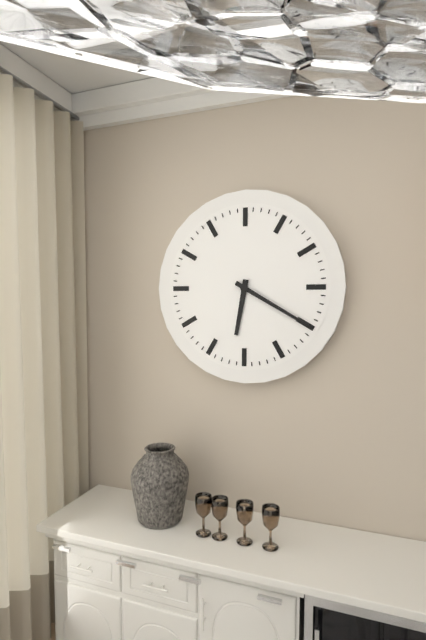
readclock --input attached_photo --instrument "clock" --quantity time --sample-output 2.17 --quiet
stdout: 6.20
